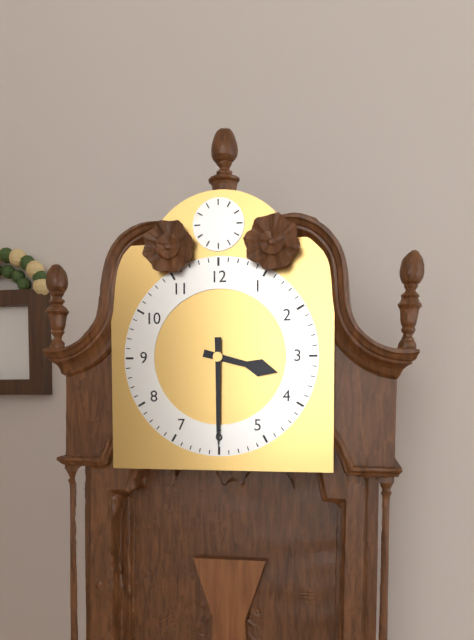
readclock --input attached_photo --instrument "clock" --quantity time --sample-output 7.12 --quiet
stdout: 3.30
